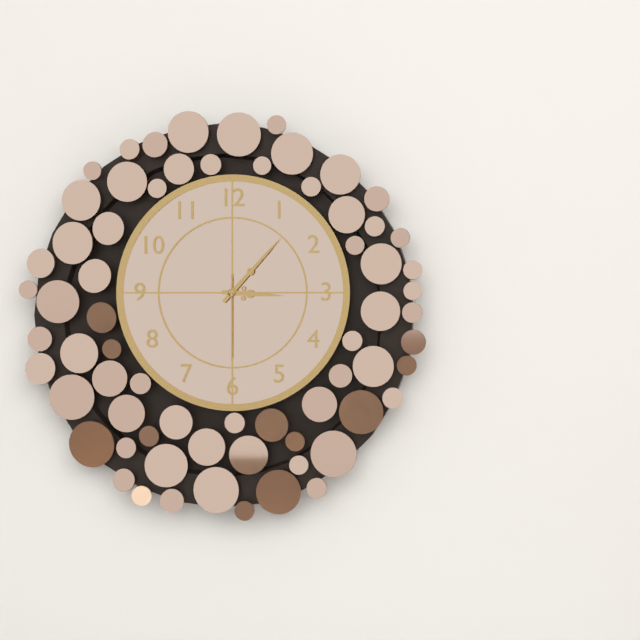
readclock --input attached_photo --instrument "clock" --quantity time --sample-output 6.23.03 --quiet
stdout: 3.07.30
